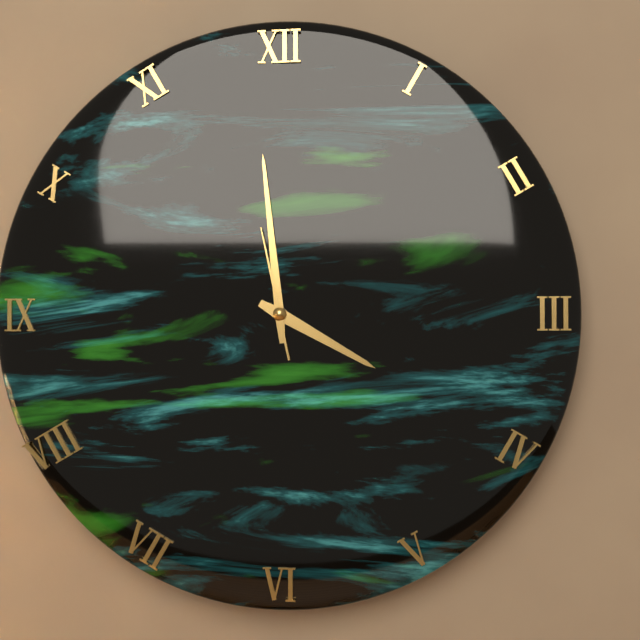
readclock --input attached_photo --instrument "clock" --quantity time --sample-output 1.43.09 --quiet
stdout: 3.59.58
